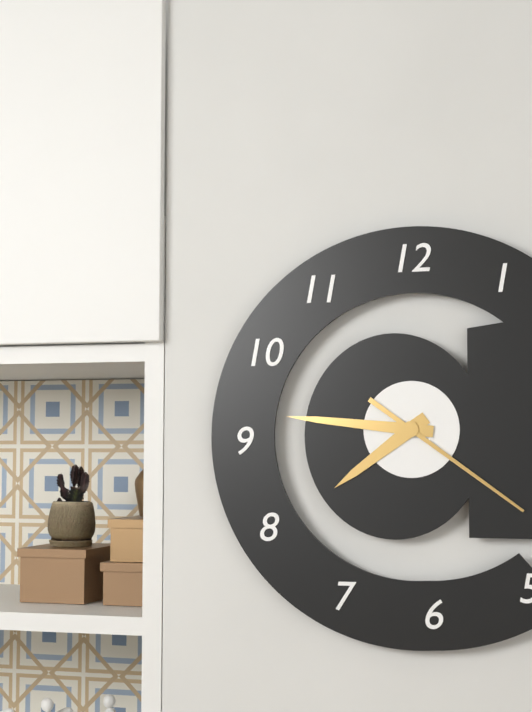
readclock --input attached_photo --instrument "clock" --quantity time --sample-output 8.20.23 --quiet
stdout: 7.46.21
